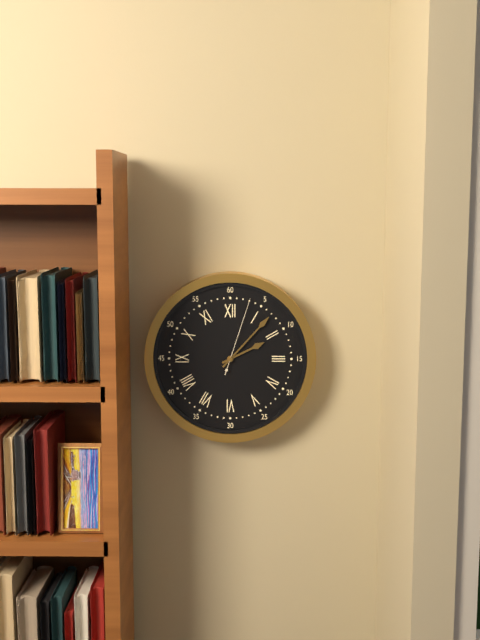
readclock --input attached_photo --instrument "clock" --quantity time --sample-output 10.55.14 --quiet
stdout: 2.07.03
